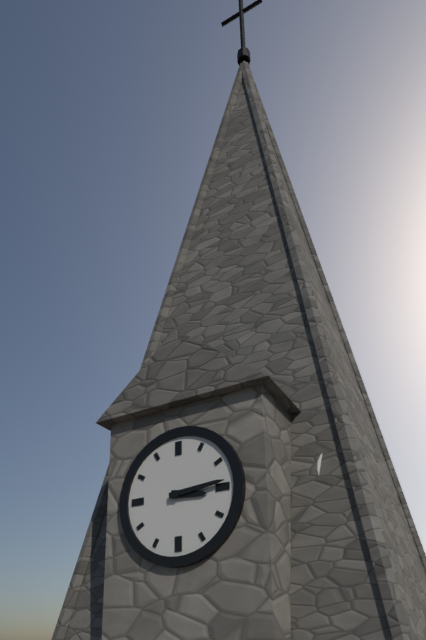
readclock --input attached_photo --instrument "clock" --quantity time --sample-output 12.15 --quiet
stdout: 3.14
